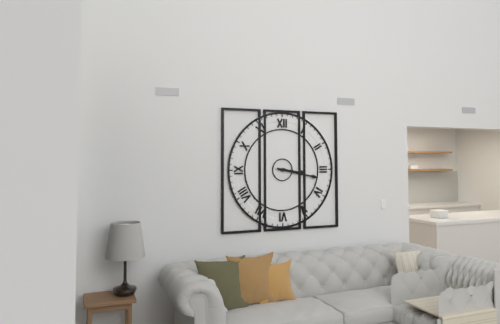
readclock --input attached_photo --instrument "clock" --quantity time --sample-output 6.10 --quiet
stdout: 3.17
